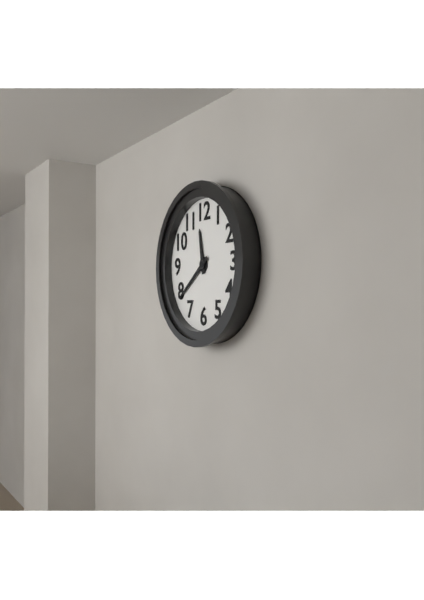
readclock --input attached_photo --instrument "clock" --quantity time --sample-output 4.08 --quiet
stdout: 11.39
